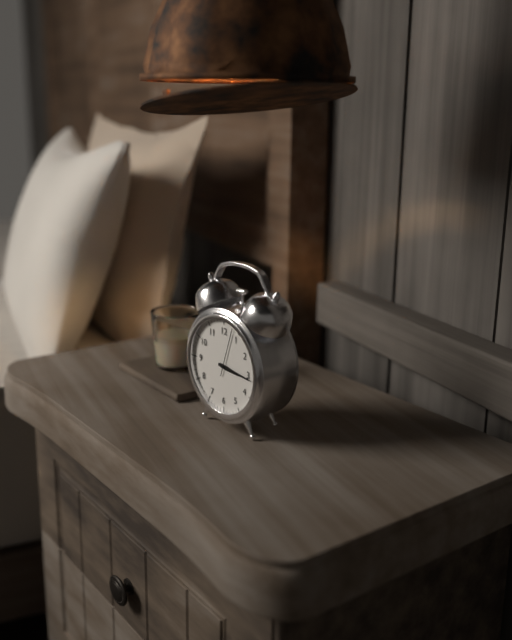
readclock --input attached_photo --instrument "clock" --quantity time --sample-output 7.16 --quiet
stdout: 3.16
